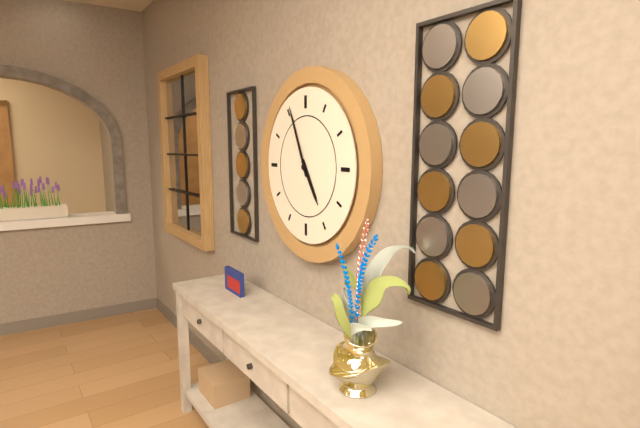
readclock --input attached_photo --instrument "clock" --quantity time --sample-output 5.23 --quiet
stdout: 4.56
